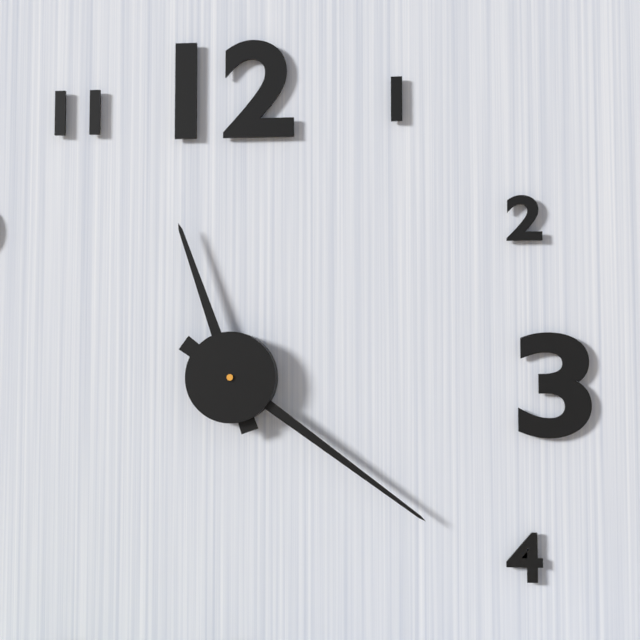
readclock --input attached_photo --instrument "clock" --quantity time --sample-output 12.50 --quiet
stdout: 11.21
